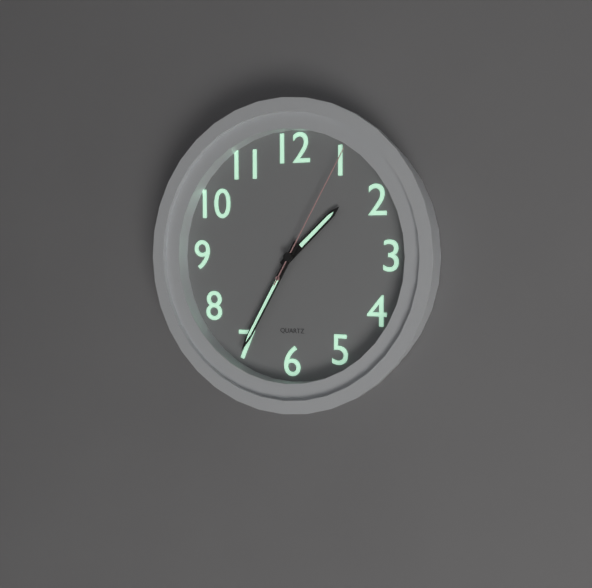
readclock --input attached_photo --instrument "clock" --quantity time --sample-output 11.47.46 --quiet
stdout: 1.35.05
